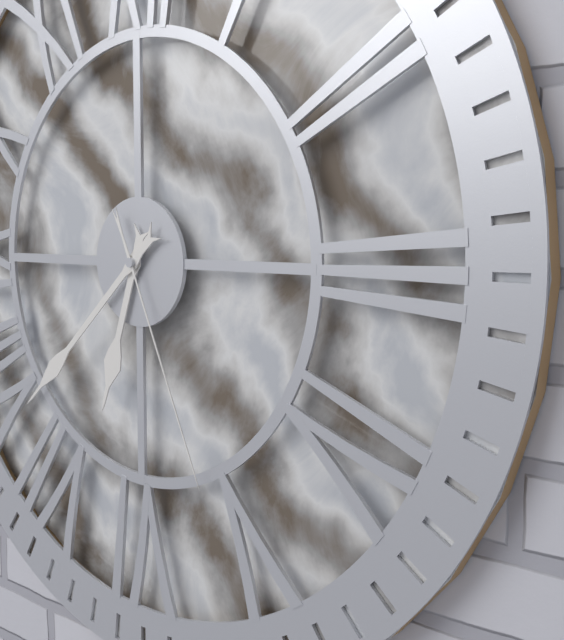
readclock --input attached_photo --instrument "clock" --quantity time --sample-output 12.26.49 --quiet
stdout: 6.38.26
